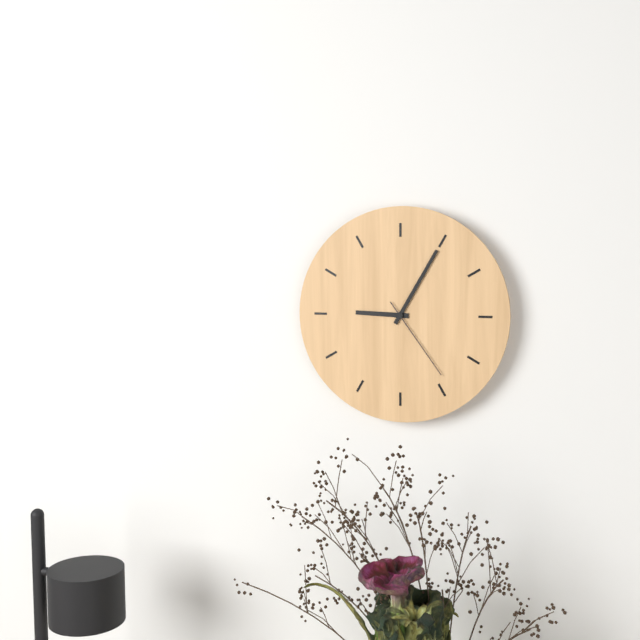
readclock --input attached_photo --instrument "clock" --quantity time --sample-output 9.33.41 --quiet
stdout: 9.05.24
